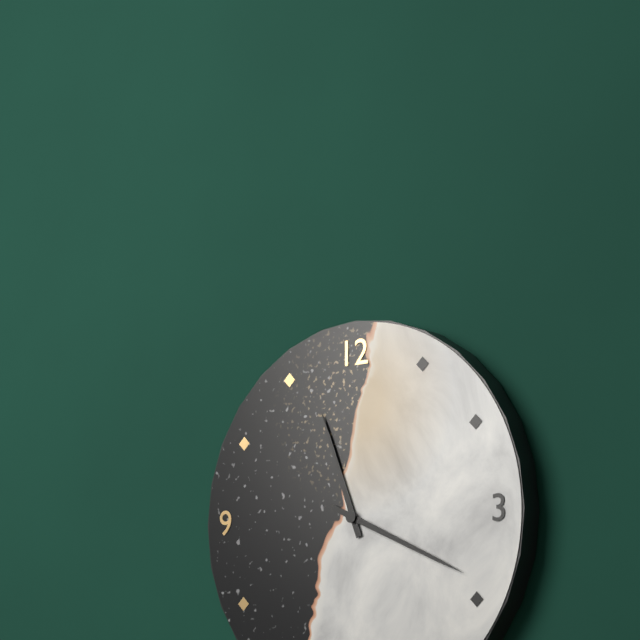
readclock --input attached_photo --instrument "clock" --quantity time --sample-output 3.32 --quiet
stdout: 11.19
